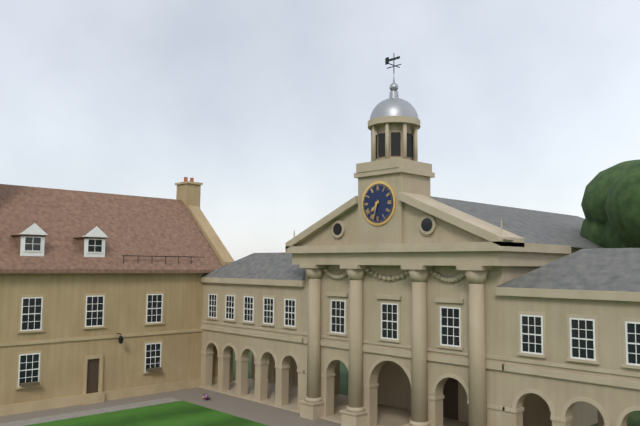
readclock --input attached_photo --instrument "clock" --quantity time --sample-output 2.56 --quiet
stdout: 7.33
